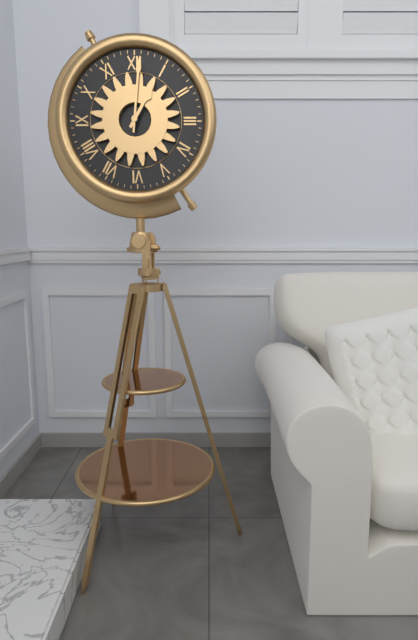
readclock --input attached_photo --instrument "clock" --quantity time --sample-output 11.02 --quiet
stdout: 1.01
